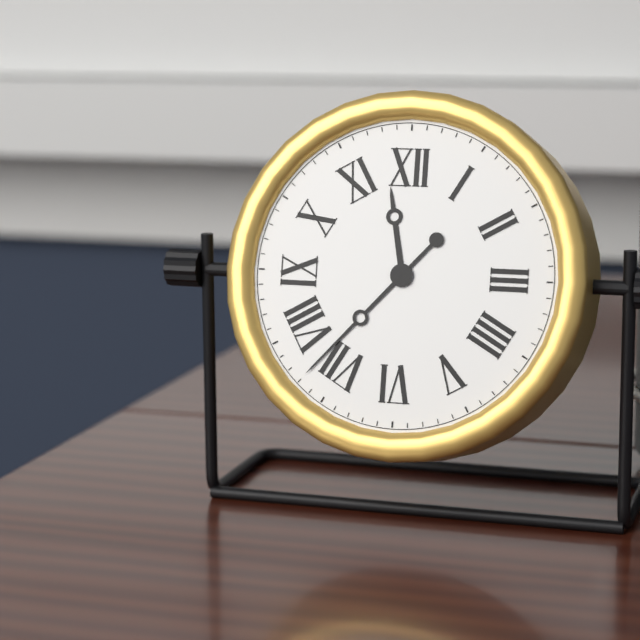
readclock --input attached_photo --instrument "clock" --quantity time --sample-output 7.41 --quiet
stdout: 11.37
